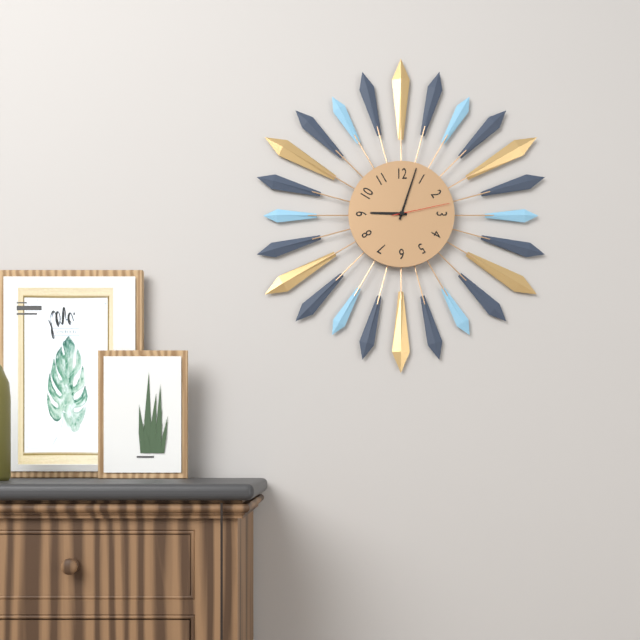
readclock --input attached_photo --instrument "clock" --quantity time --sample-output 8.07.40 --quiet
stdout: 9.03.13
